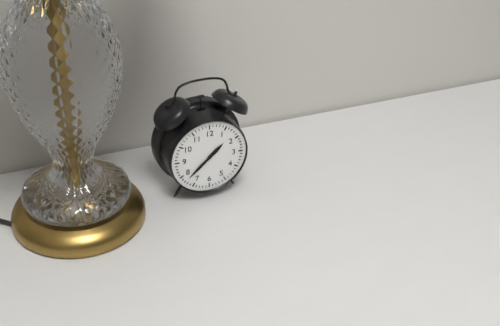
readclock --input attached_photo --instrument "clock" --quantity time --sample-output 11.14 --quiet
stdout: 1.38
